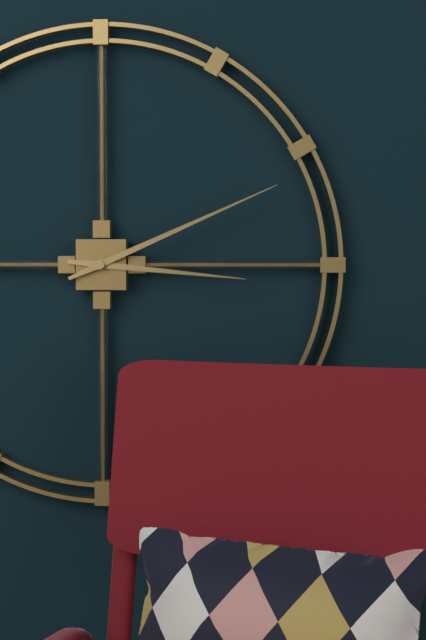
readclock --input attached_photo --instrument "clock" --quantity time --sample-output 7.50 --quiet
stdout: 3.11
